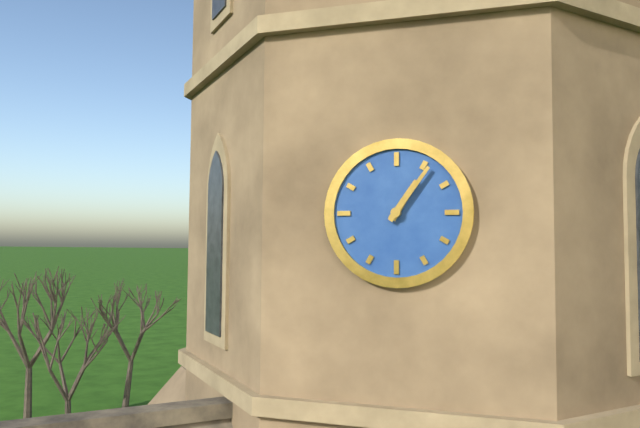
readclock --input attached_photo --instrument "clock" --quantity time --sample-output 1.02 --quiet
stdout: 1.06
